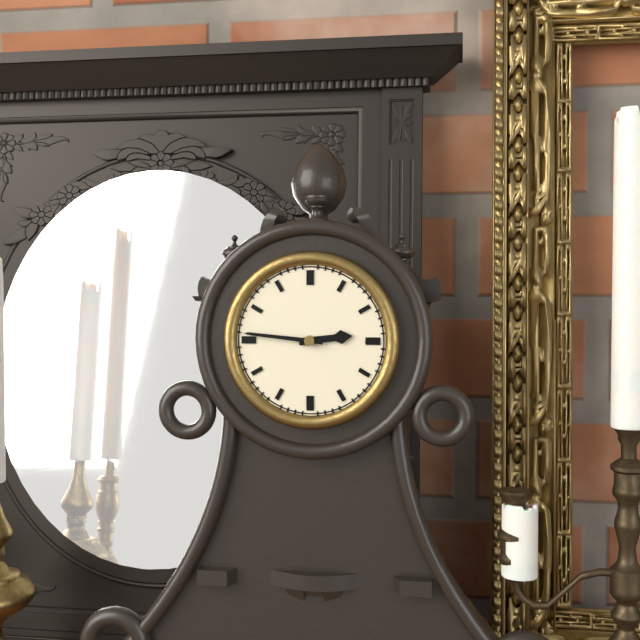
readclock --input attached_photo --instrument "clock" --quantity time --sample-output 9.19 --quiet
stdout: 2.46
